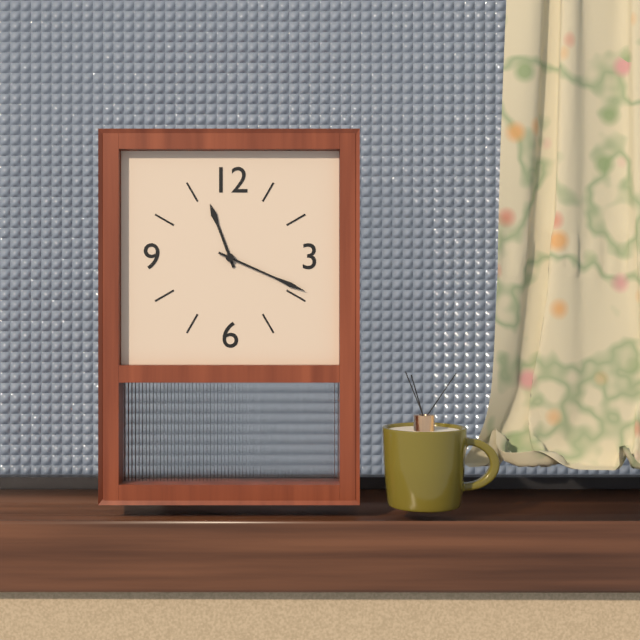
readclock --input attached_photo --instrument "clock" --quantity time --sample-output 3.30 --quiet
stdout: 11.19
